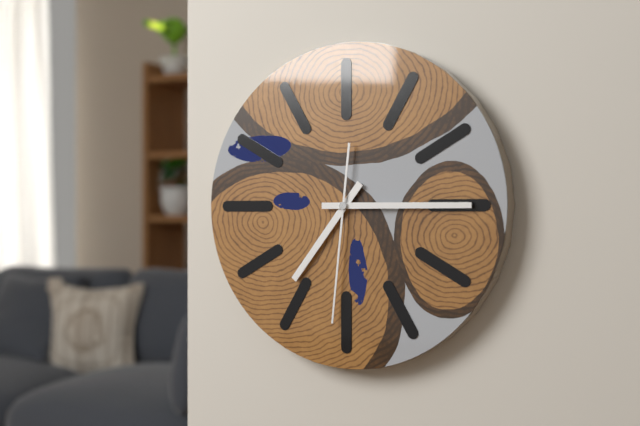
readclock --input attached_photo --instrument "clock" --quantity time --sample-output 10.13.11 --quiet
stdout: 7.15.31
